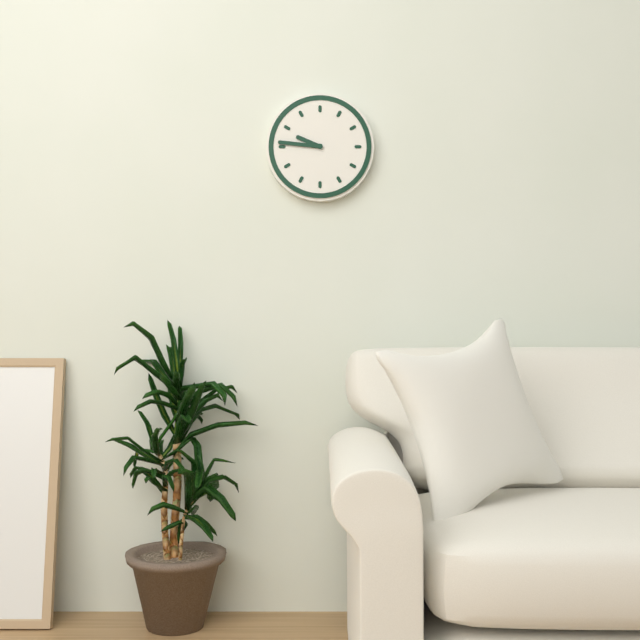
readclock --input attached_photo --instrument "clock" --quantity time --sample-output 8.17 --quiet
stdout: 9.46
